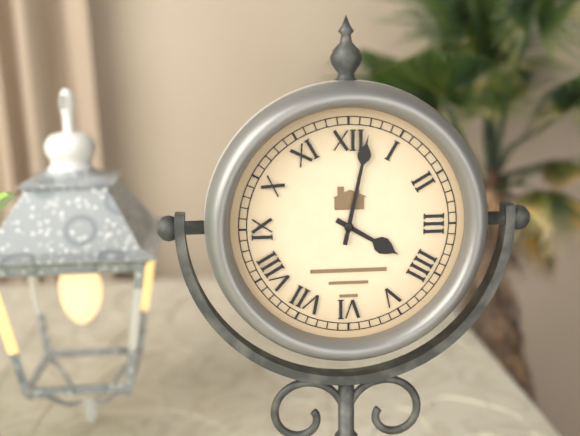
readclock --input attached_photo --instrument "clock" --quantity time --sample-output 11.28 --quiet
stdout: 4.02
